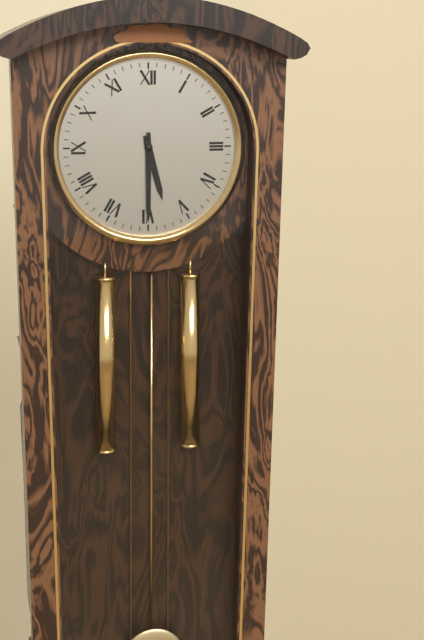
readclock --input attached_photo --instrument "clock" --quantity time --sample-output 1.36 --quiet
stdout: 5.30
